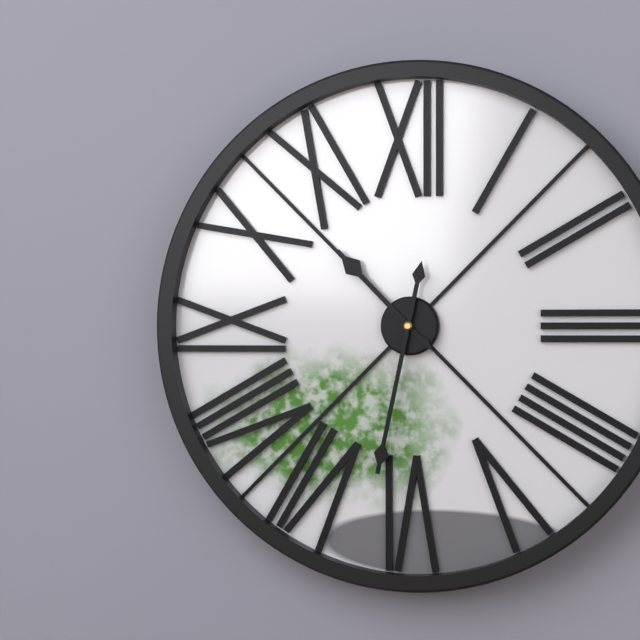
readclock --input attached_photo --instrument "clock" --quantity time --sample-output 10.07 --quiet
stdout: 10.32
